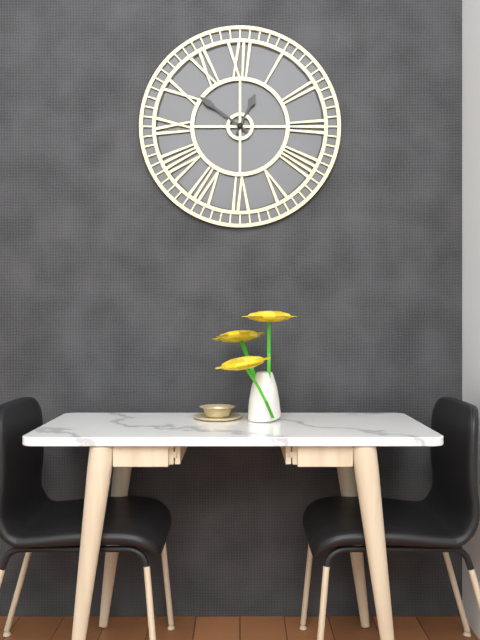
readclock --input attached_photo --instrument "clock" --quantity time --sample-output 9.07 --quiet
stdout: 12.51
